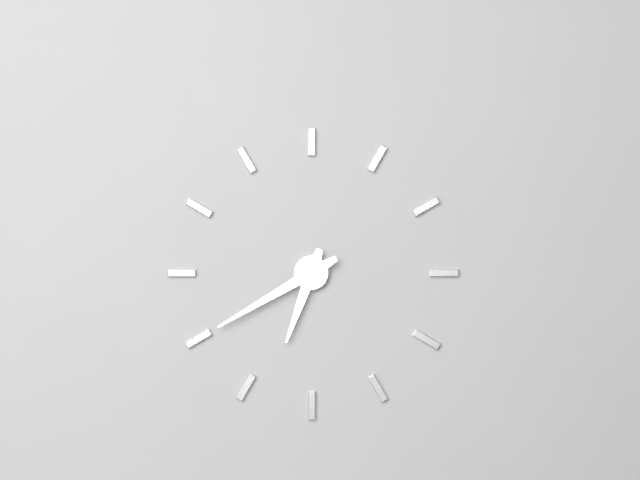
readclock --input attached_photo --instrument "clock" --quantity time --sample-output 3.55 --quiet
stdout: 6.40
